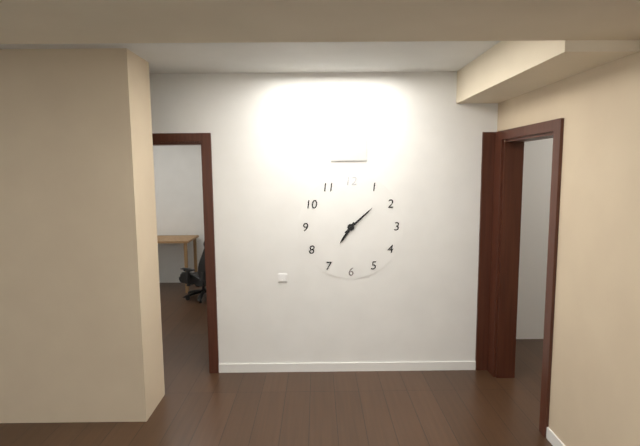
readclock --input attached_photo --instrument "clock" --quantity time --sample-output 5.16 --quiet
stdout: 7.08
